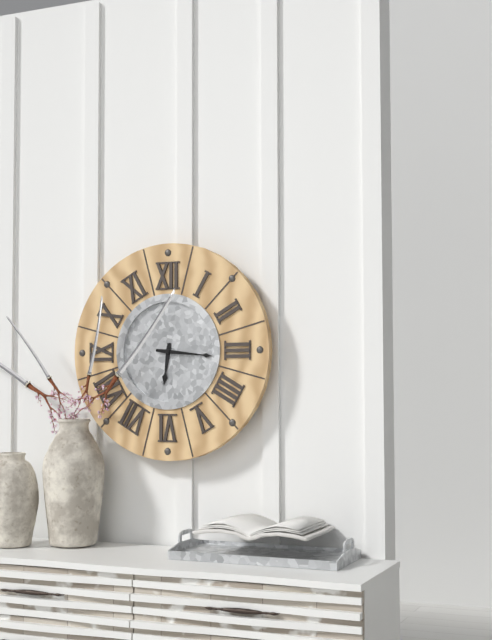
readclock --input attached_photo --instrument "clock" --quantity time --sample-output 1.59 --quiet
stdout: 6.16
